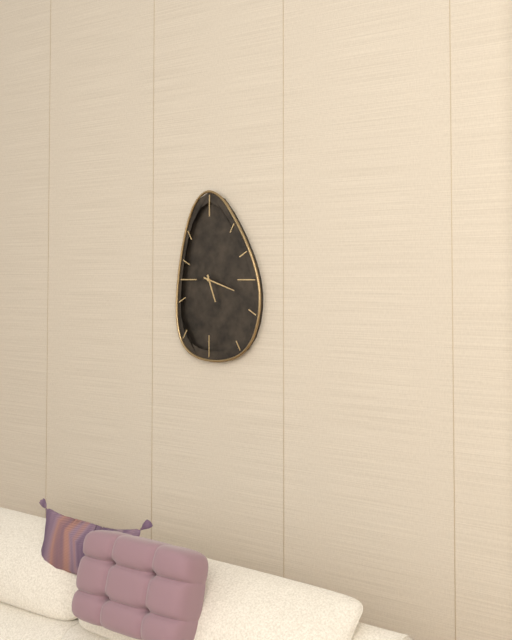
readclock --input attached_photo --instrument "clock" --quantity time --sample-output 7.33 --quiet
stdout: 5.18
